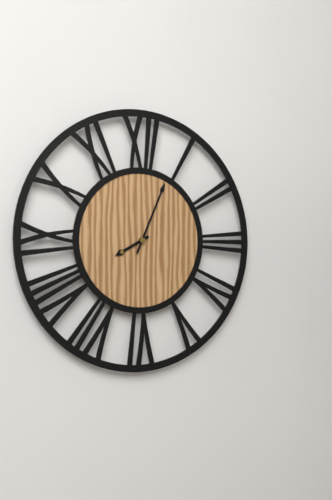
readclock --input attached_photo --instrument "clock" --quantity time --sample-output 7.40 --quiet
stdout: 8.04
